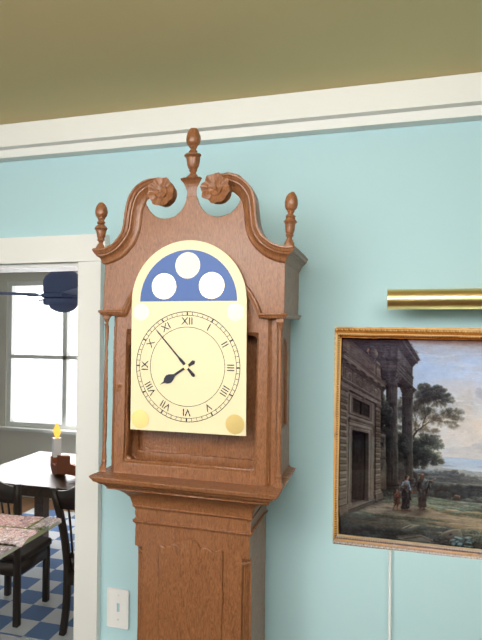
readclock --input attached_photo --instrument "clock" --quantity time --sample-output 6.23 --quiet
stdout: 7.53
